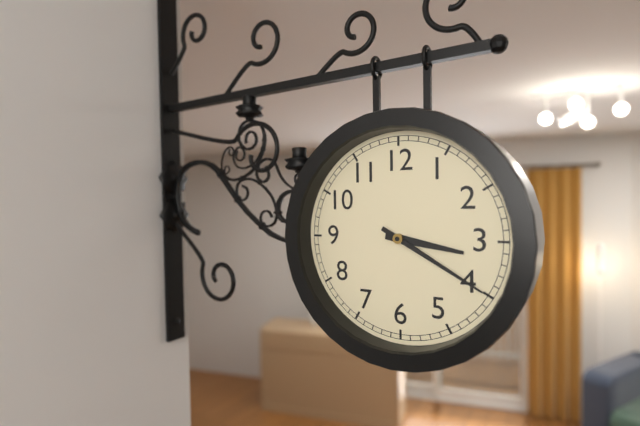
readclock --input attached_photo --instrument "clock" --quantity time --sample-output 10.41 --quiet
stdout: 3.20
